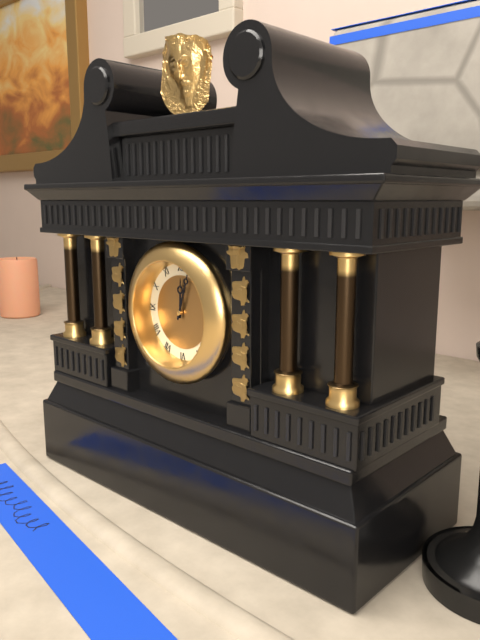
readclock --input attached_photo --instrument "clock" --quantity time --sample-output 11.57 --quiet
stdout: 12.03
